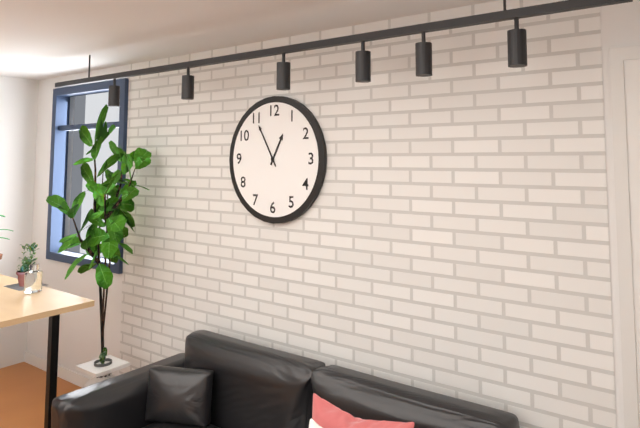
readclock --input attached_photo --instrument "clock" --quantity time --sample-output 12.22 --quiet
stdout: 12.55
